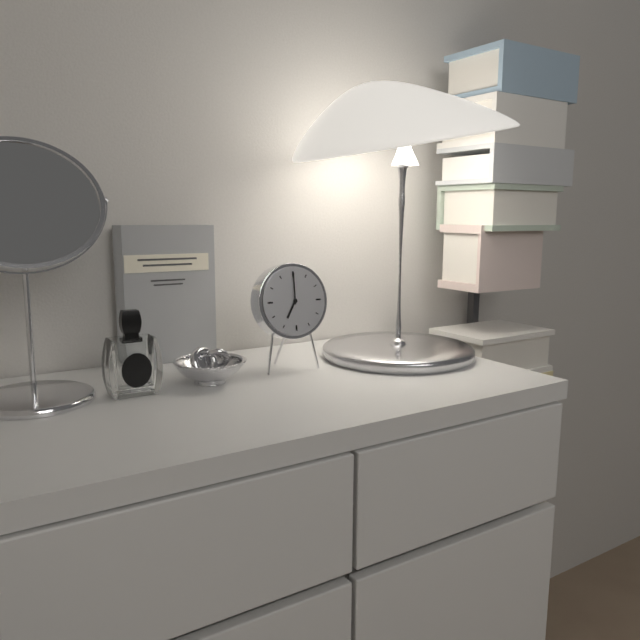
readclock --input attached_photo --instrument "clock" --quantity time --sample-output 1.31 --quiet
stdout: 7.00
